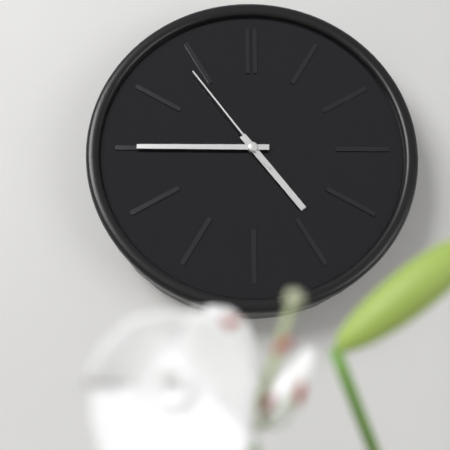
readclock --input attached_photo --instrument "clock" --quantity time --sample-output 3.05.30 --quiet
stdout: 4.45.54
